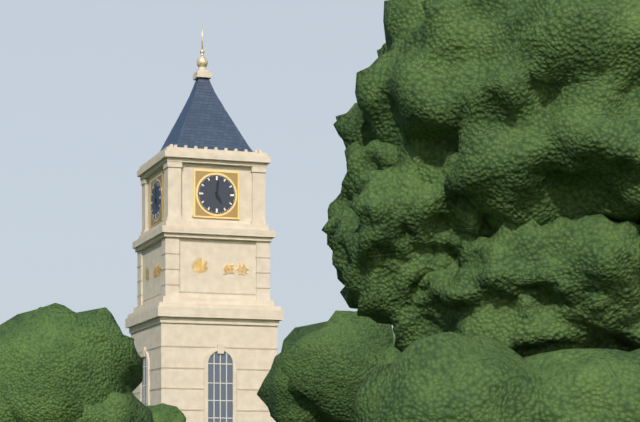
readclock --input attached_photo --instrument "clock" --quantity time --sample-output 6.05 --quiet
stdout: 5.01
